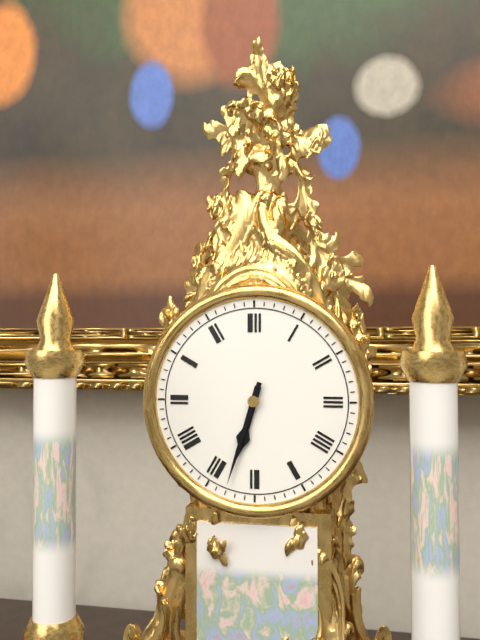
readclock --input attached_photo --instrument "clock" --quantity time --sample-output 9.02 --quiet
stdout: 6.33
